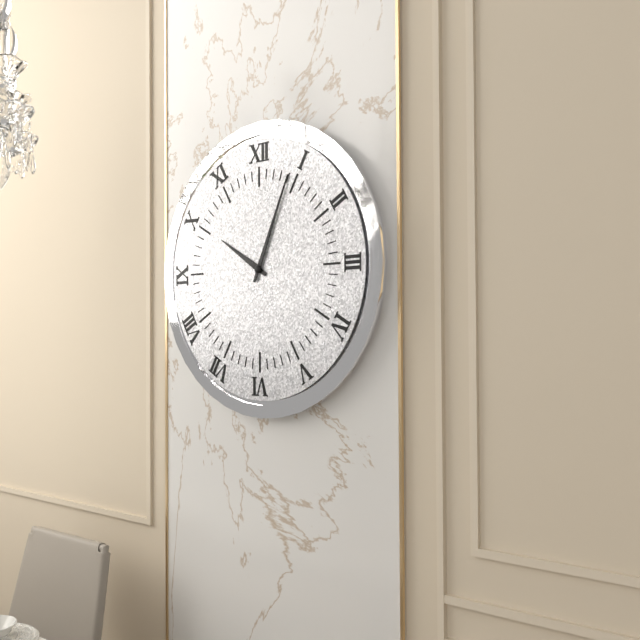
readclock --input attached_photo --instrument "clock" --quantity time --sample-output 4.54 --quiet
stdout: 10.04
